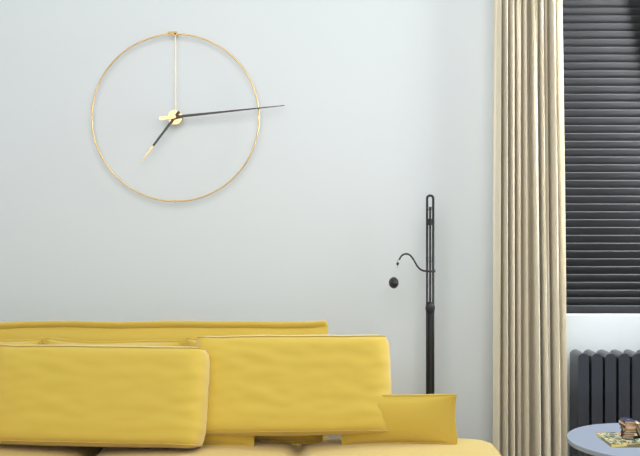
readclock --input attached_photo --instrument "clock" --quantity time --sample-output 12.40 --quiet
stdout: 7.14
